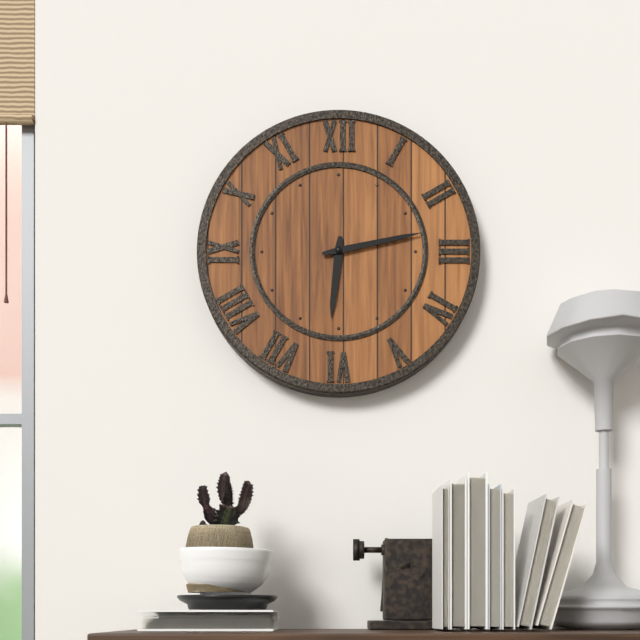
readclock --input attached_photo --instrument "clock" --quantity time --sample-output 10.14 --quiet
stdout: 6.13
